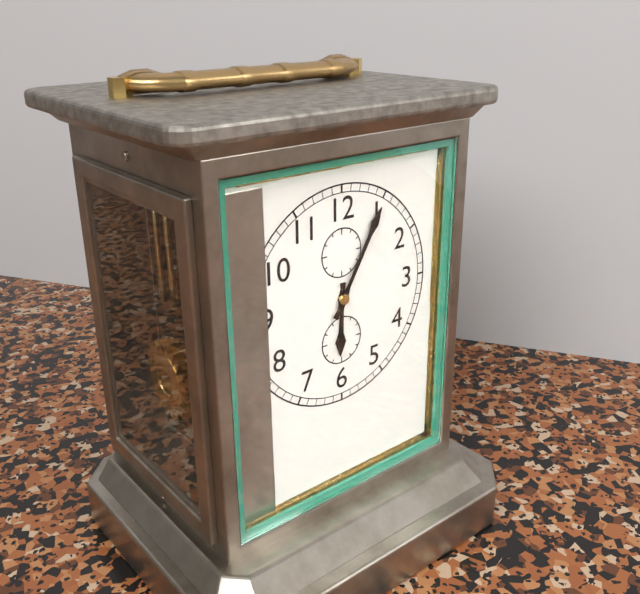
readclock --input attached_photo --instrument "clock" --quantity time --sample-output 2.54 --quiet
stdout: 6.05
